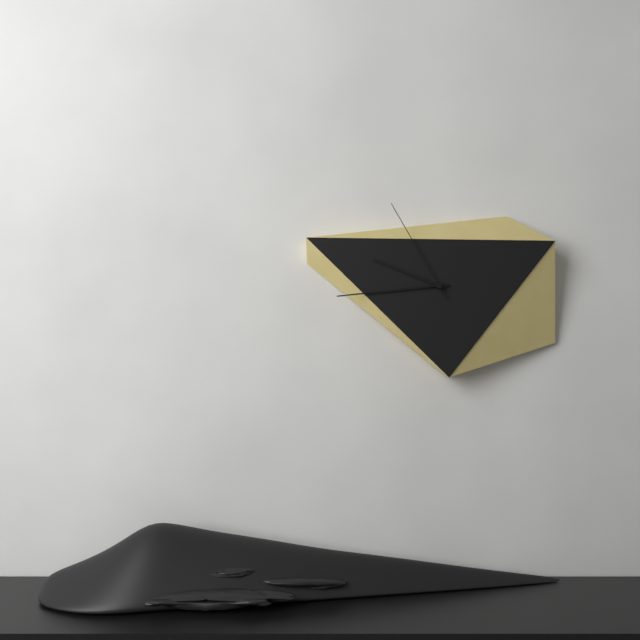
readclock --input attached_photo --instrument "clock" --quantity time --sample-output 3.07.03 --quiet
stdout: 9.44.55
